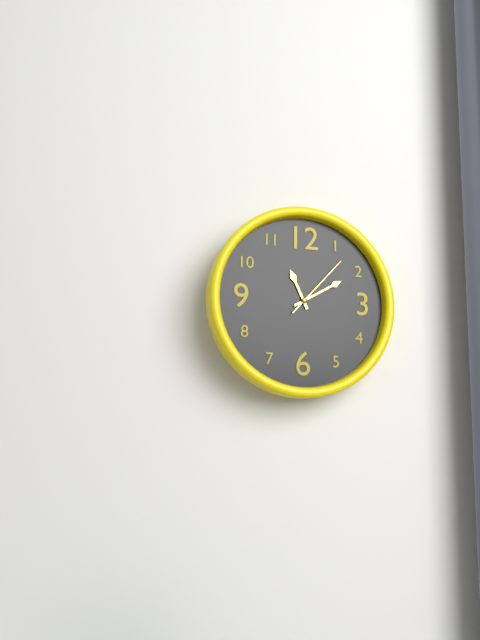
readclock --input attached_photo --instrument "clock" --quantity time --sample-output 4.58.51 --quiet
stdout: 11.10.07
